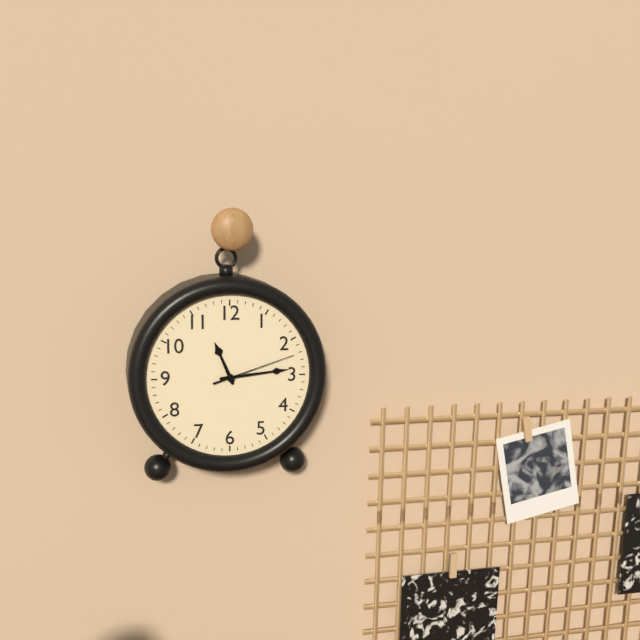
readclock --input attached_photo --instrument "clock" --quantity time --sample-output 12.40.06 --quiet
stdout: 11.14.12
